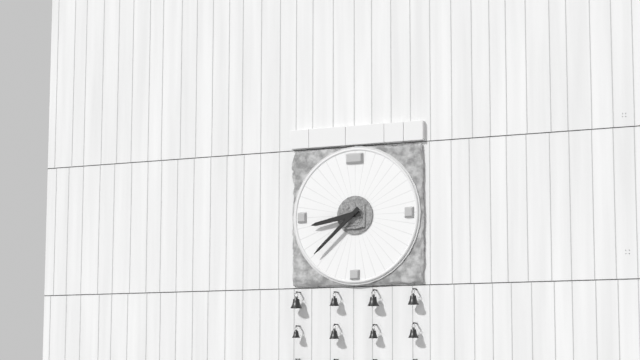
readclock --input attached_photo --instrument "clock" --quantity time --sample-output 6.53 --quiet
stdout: 8.38
